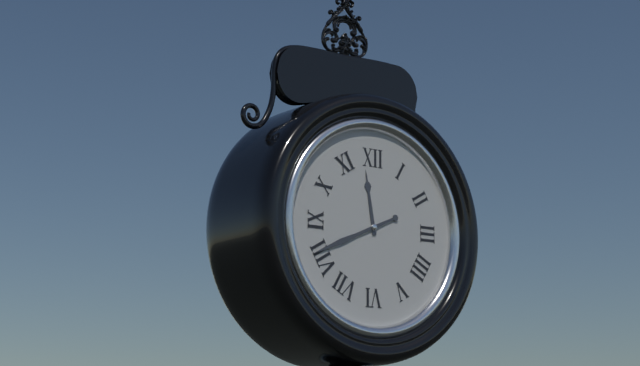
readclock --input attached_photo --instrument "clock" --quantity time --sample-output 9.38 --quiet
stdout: 11.41
